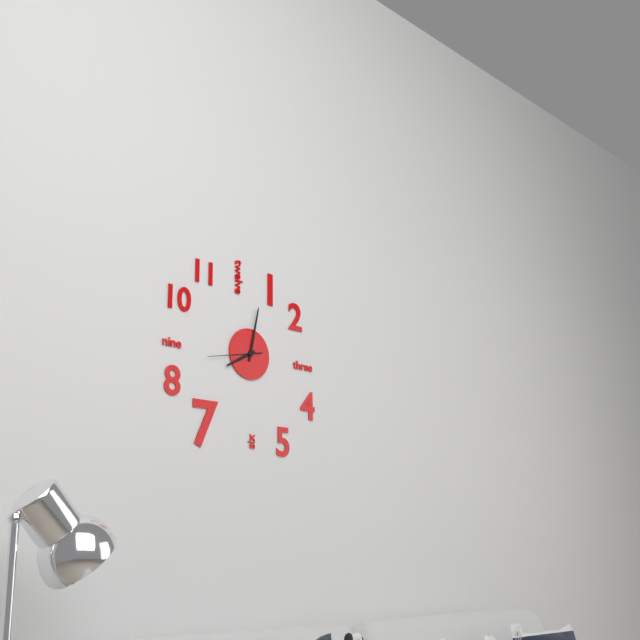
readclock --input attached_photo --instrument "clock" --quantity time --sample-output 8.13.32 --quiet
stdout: 8.02.43
